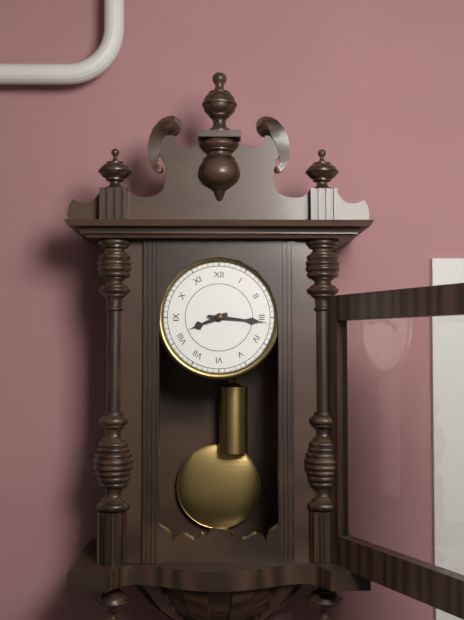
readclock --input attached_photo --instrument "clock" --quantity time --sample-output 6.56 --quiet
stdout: 8.16
